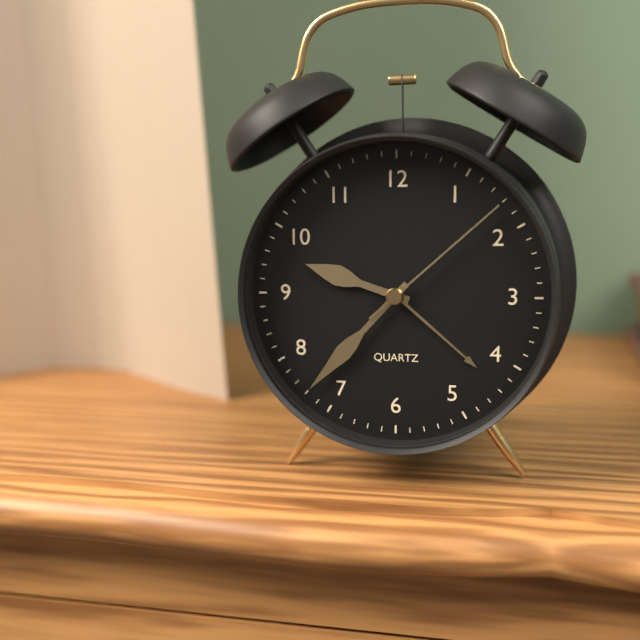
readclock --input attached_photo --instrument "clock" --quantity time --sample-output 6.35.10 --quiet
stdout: 9.37.08
